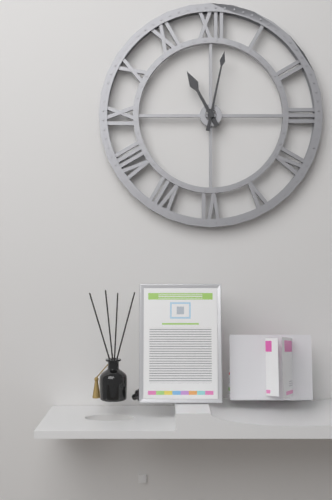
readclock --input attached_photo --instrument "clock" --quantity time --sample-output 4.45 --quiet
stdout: 11.02
